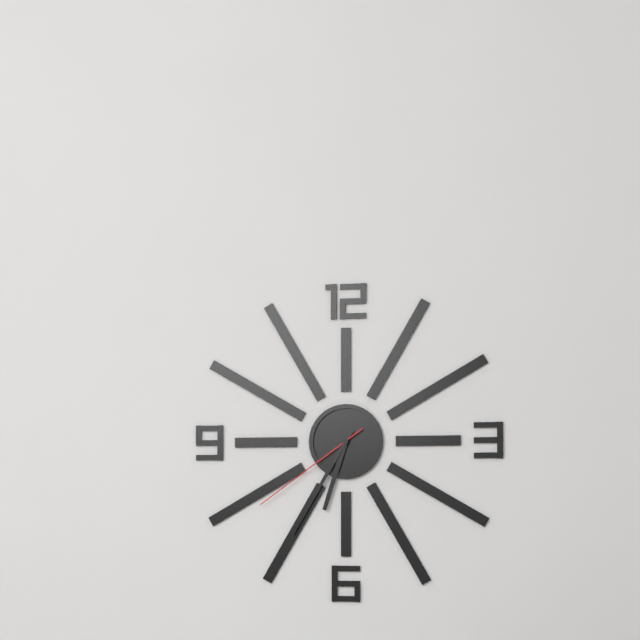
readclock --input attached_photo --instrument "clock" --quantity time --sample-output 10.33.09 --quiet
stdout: 6.35.39
